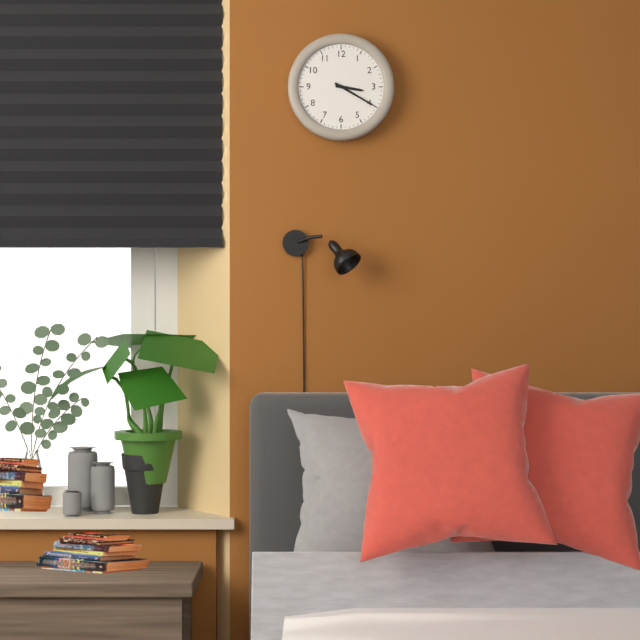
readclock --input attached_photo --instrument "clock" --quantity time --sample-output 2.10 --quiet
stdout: 3.20
